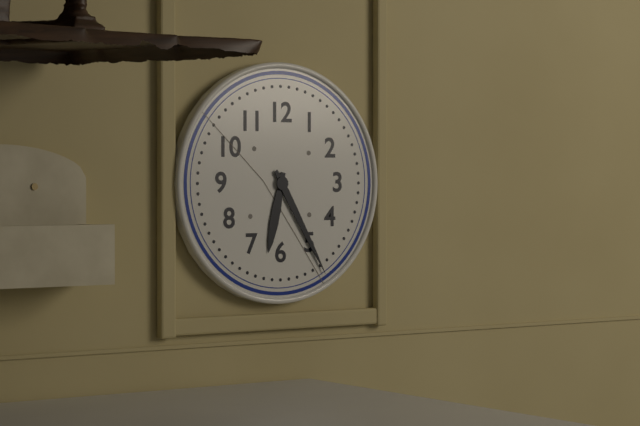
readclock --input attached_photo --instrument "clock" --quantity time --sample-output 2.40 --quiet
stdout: 6.25
